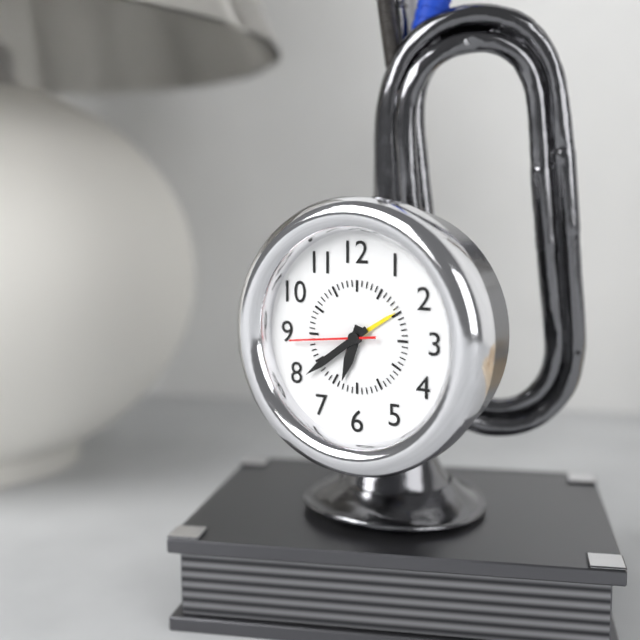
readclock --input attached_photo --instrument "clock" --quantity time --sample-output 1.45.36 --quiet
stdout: 6.39.44
